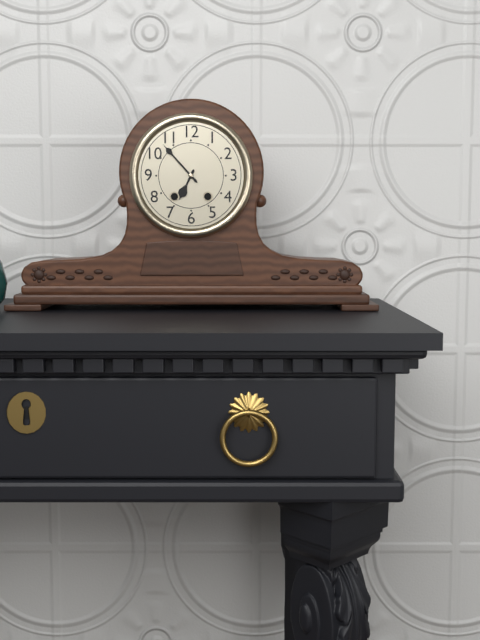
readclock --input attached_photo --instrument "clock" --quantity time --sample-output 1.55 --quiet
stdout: 6.53
